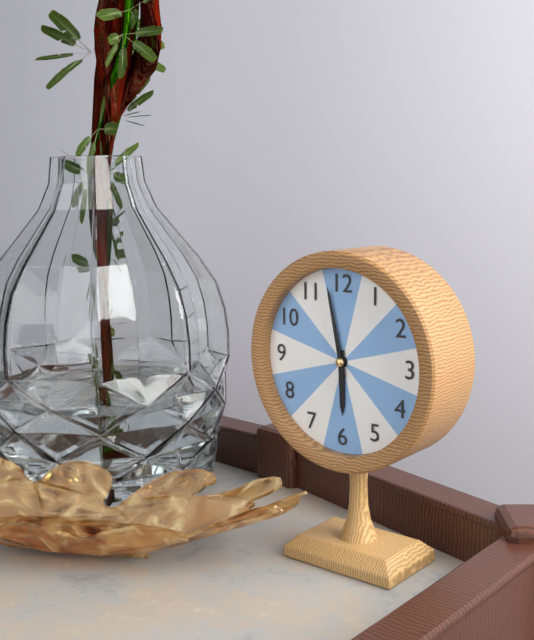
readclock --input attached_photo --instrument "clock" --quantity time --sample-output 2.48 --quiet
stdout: 5.58
